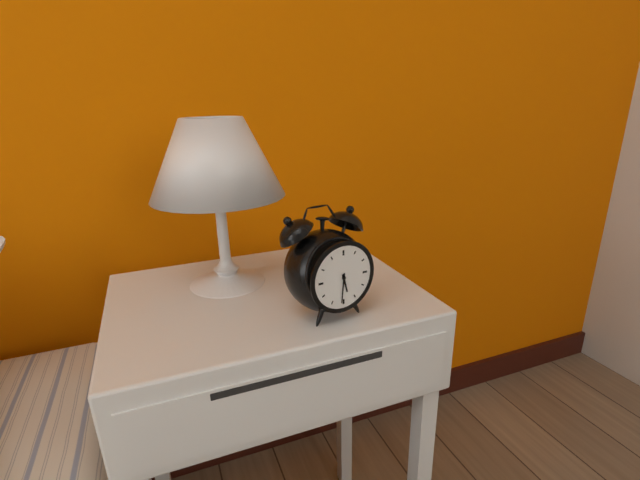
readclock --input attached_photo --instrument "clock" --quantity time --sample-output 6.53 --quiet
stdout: 5.31
